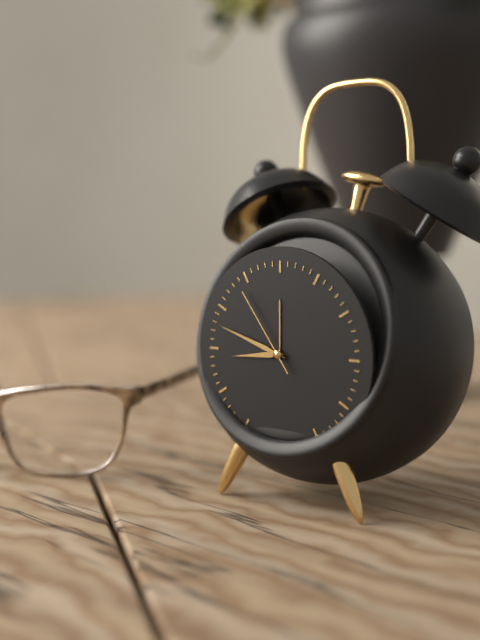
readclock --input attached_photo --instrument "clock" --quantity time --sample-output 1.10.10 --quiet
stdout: 8.48.54
